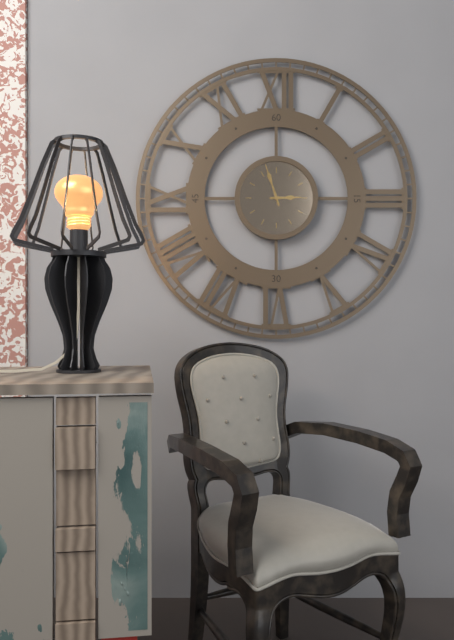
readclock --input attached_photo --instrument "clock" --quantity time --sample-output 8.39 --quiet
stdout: 2.57
